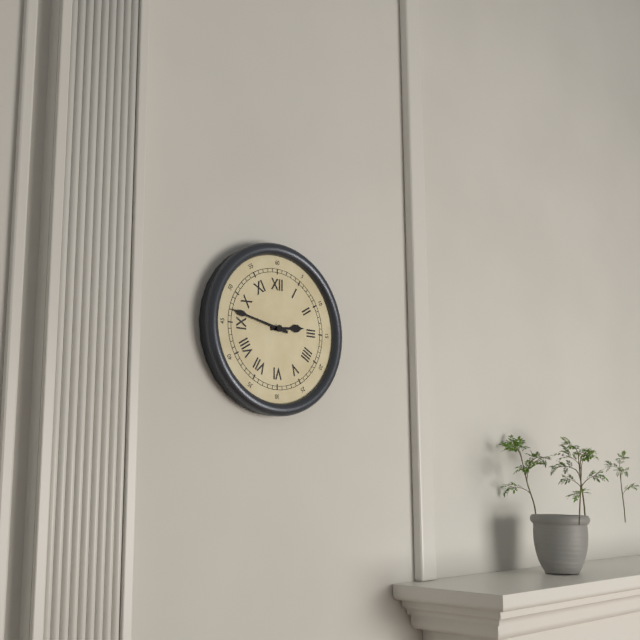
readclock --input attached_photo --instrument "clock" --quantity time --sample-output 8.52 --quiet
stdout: 2.47
